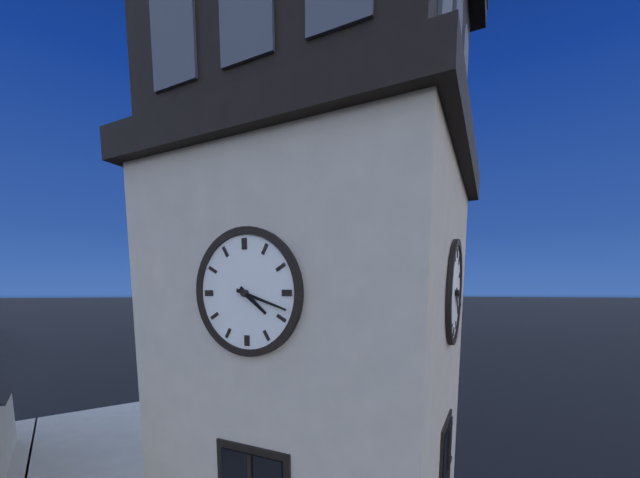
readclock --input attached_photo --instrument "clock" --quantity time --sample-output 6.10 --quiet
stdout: 4.18
